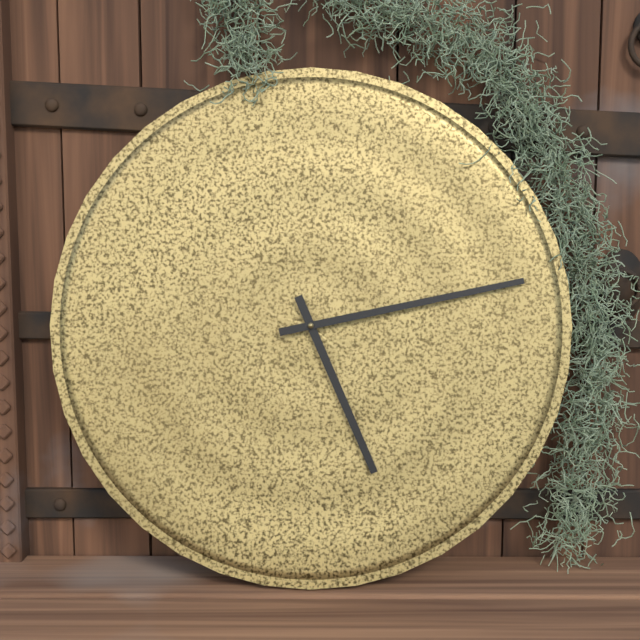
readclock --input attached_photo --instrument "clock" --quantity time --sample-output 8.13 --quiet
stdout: 5.13
